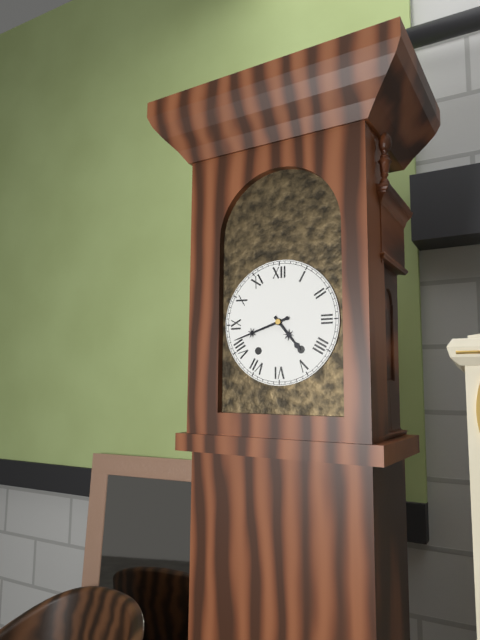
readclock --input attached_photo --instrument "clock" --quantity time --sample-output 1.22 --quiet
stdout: 4.42
